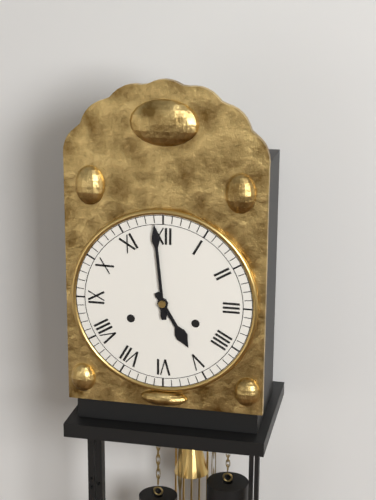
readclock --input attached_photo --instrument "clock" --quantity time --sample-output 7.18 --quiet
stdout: 4.59
